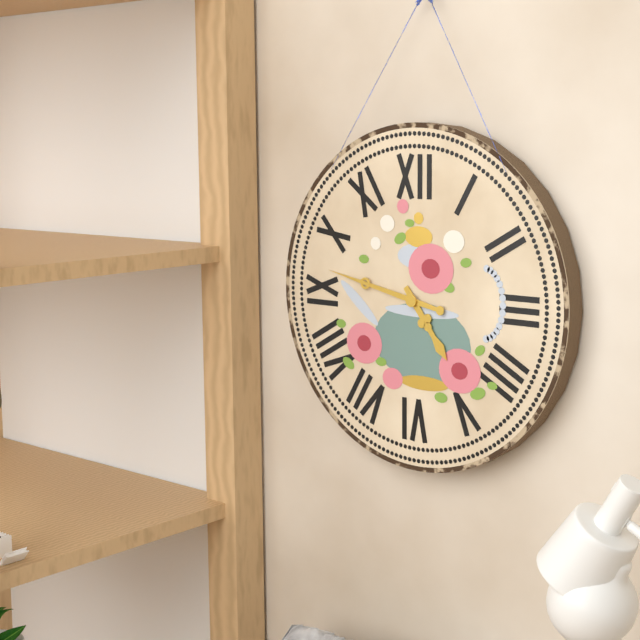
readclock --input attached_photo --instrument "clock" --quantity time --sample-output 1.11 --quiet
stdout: 4.47
